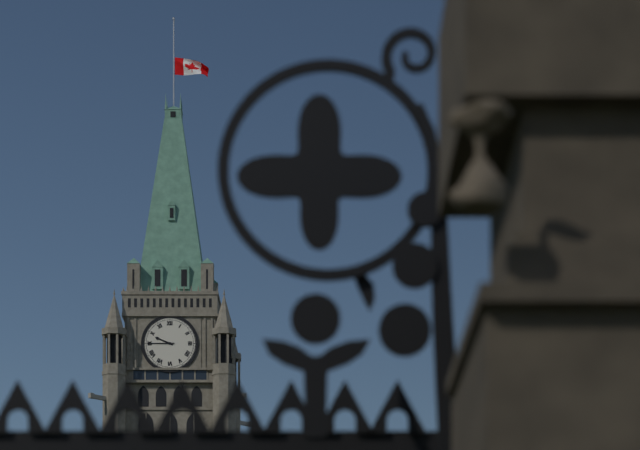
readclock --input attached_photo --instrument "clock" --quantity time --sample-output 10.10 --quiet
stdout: 9.45
